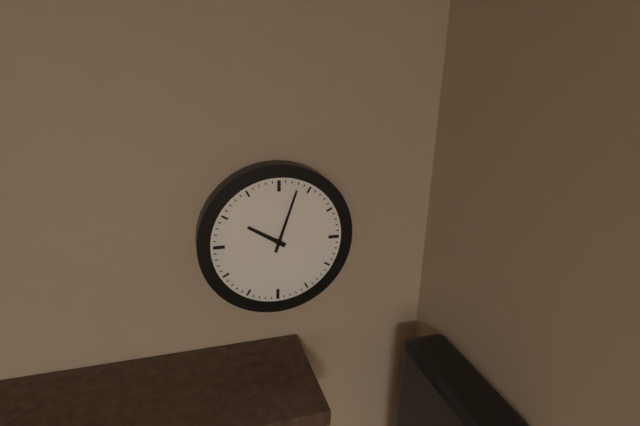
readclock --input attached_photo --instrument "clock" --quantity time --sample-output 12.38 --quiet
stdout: 10.03
